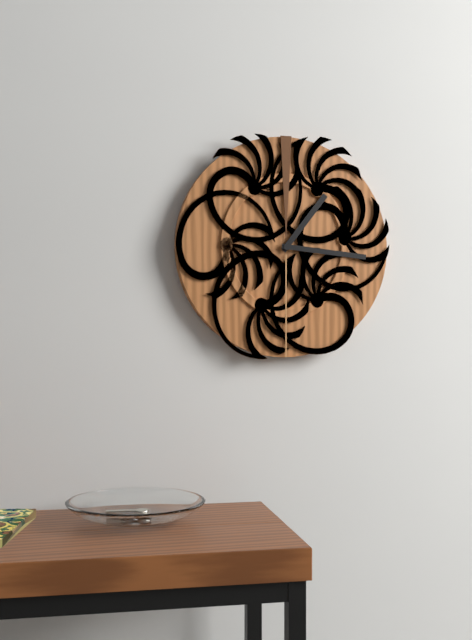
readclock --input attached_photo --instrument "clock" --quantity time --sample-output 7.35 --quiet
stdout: 1.16
